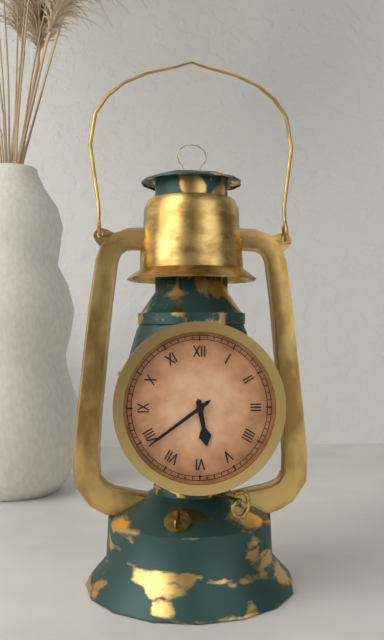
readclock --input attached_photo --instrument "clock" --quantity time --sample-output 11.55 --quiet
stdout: 5.39
